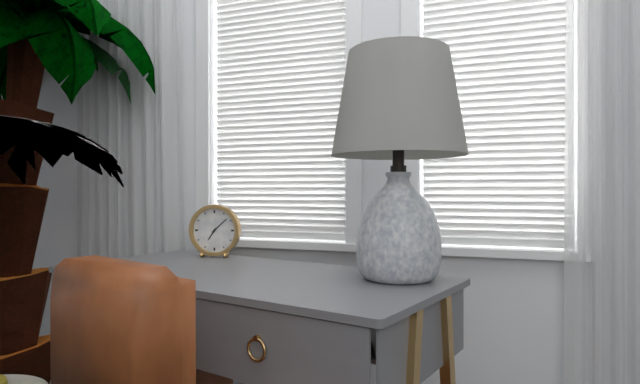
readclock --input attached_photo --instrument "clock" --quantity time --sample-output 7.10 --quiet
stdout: 7.08
